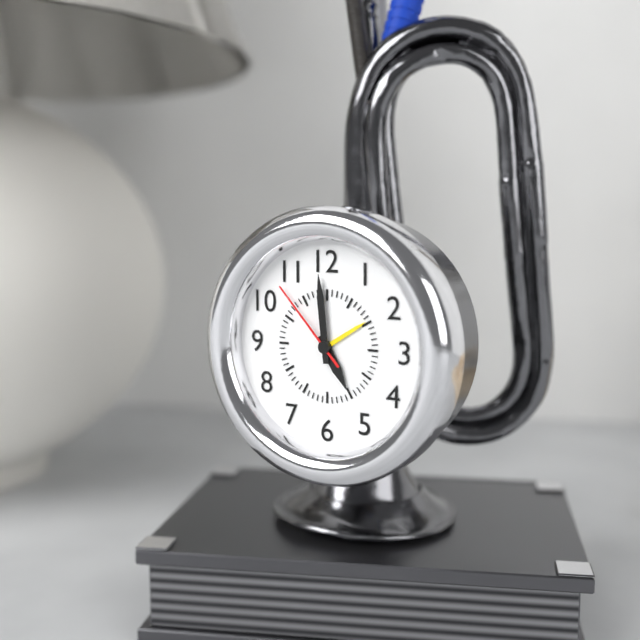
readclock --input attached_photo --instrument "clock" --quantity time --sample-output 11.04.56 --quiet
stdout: 4.59.53
